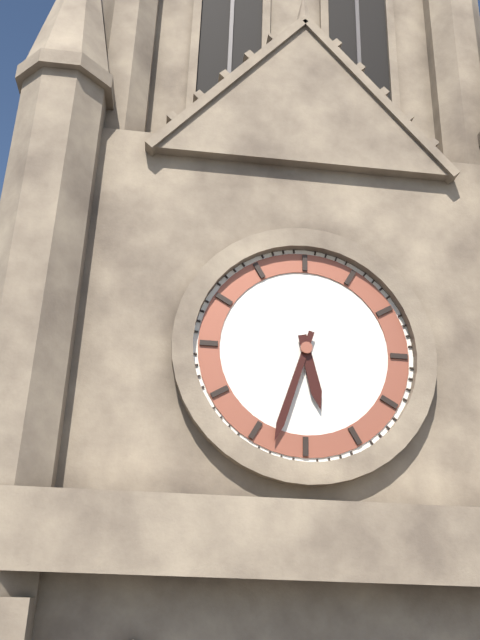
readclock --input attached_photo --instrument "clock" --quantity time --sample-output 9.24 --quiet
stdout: 5.33
